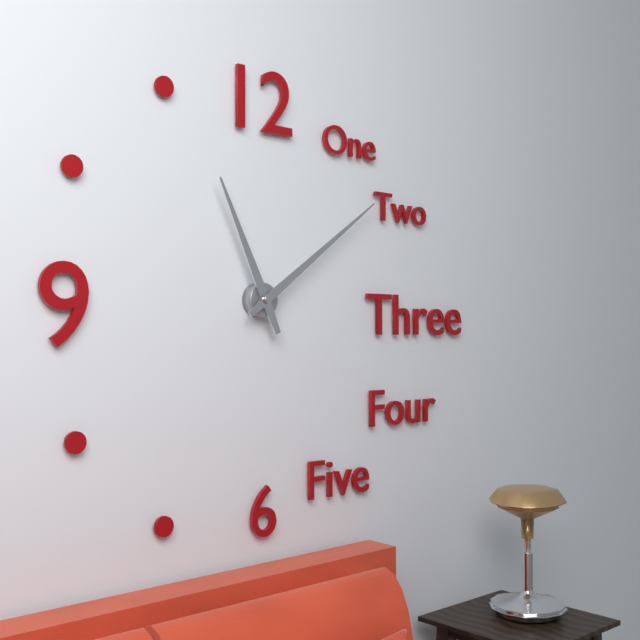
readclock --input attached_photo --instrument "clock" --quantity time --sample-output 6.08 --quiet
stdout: 11.09
